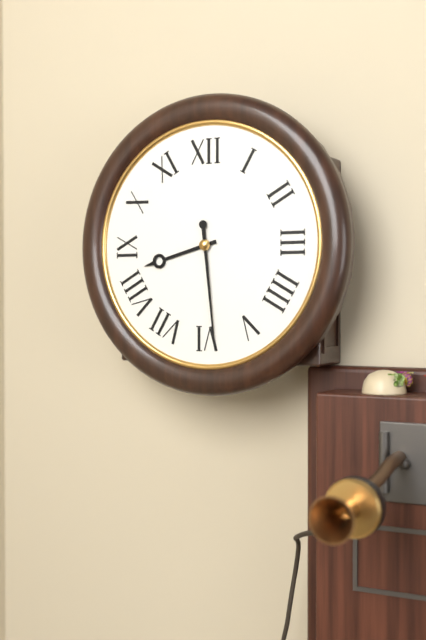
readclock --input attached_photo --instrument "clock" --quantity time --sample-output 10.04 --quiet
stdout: 8.29
